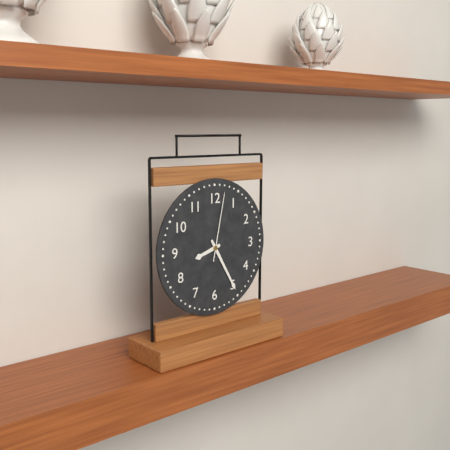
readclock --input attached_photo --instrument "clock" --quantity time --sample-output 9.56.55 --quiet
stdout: 8.25.02
